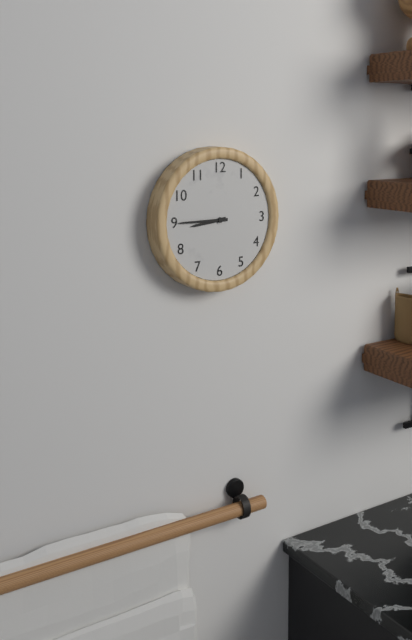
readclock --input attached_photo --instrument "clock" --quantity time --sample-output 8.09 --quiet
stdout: 8.45
